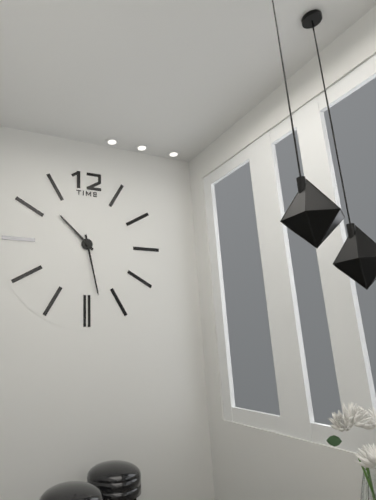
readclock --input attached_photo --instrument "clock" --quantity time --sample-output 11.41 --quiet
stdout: 10.28
